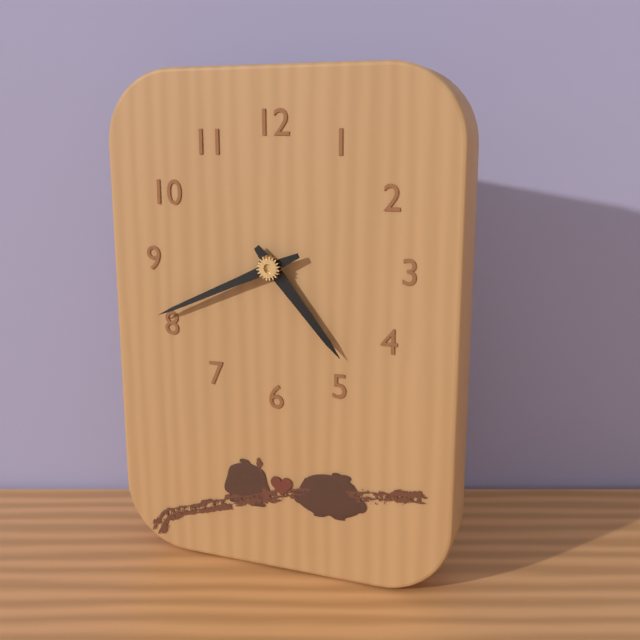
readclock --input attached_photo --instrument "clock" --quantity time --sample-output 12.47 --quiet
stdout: 4.41
